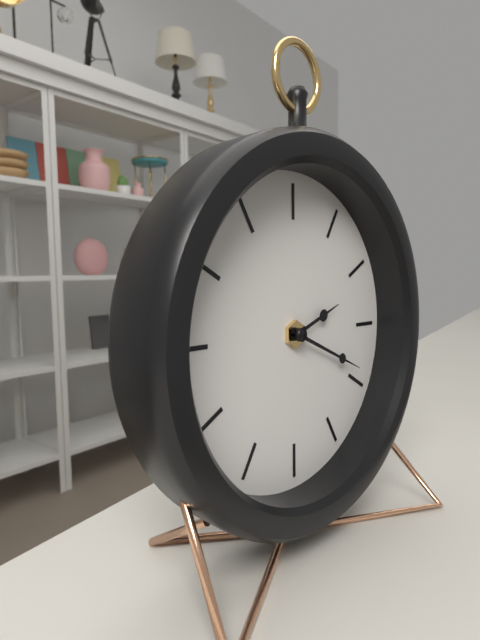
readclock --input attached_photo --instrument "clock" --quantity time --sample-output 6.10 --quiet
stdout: 2.19
